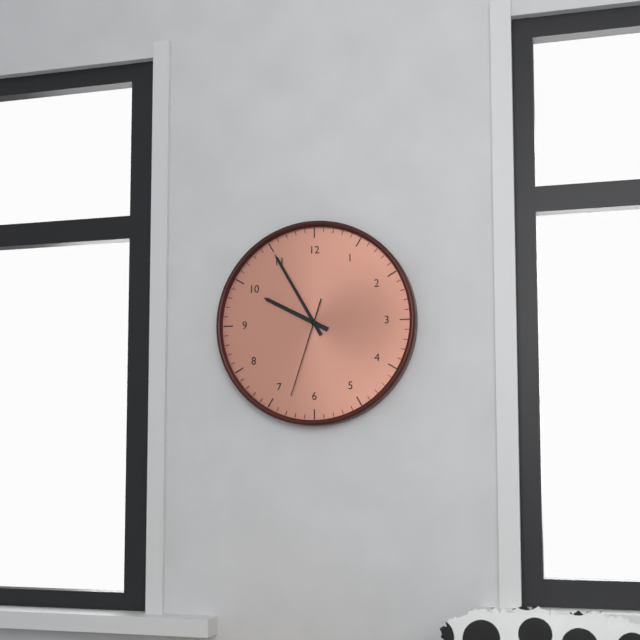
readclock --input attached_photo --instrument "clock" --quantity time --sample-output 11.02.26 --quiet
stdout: 9.55.33
